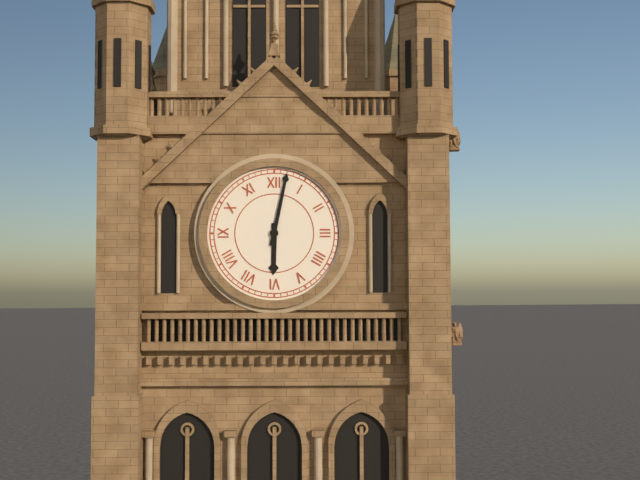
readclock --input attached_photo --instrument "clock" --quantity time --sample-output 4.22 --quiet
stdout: 6.02
